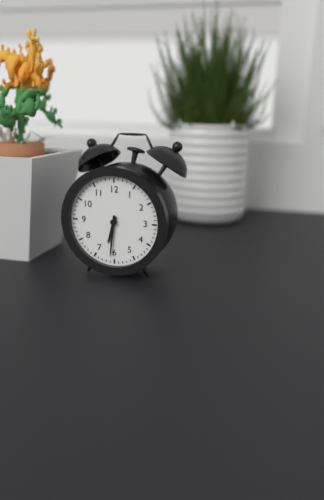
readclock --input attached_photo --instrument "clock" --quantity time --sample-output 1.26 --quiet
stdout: 6.31
